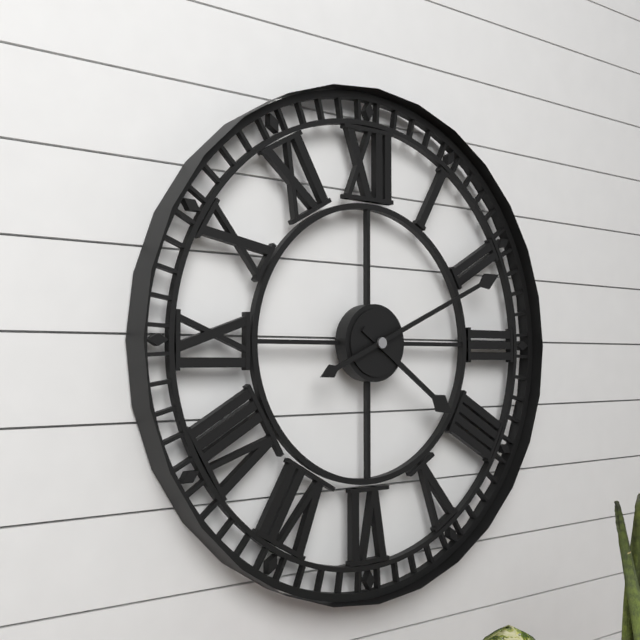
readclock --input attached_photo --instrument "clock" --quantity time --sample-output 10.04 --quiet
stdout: 4.11
